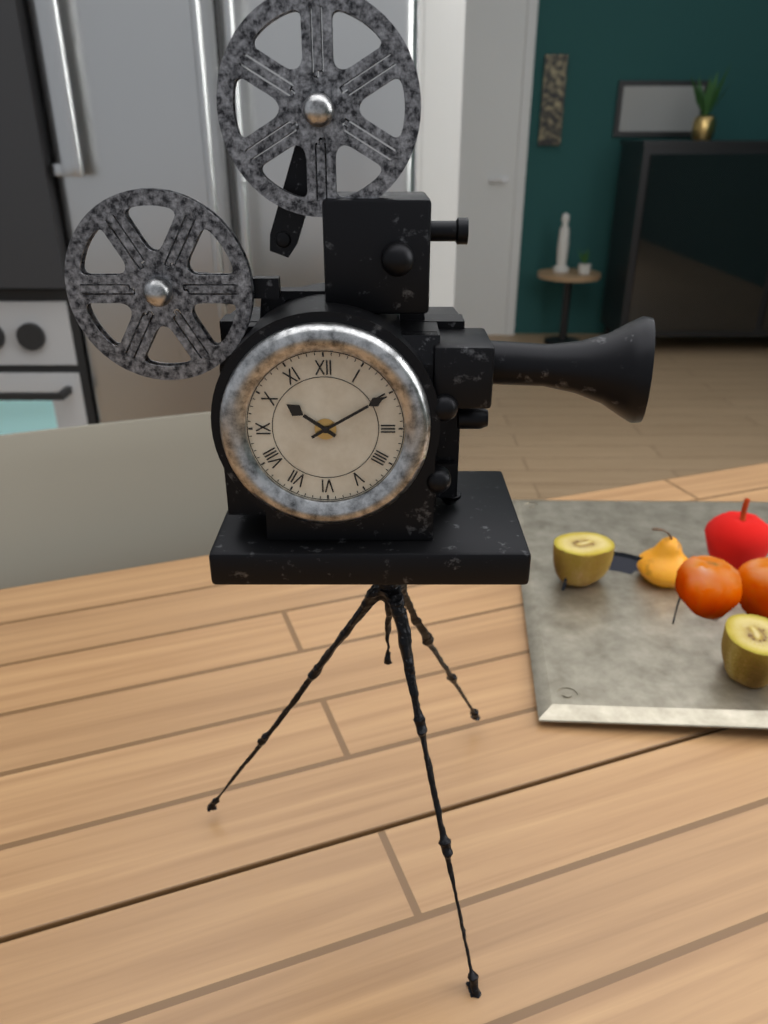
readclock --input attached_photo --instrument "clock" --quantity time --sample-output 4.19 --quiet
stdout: 10.10
